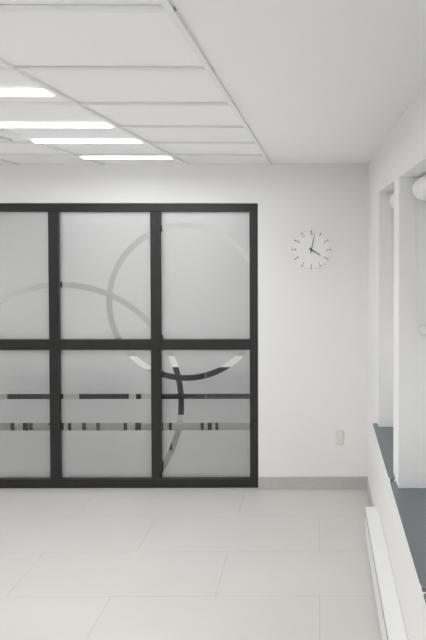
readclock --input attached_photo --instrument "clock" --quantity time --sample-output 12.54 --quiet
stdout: 4.02
